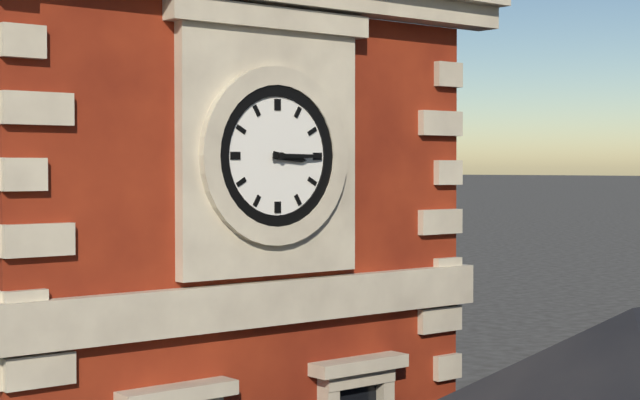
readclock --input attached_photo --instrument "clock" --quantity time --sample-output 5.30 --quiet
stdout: 3.15
